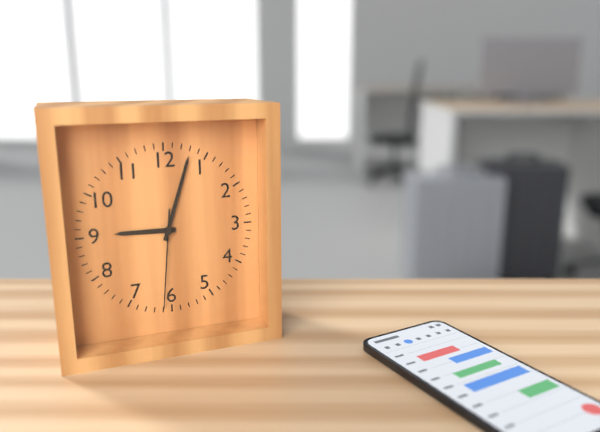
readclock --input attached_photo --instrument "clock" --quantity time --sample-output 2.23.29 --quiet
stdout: 9.03.31
